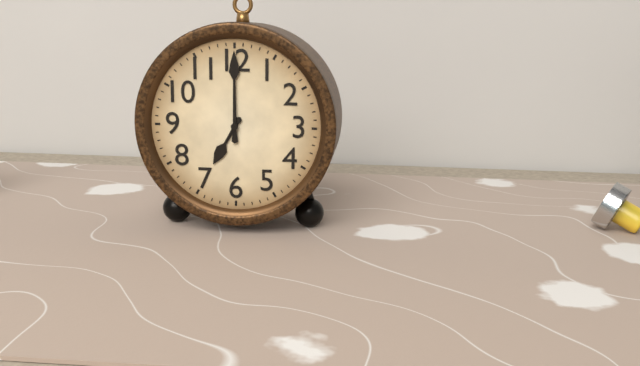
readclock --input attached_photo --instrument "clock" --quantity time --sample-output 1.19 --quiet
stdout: 7.00
